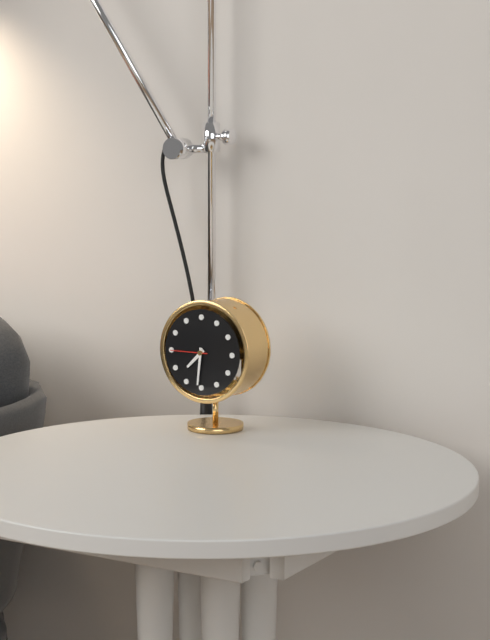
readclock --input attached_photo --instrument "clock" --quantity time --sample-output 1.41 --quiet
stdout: 7.31
